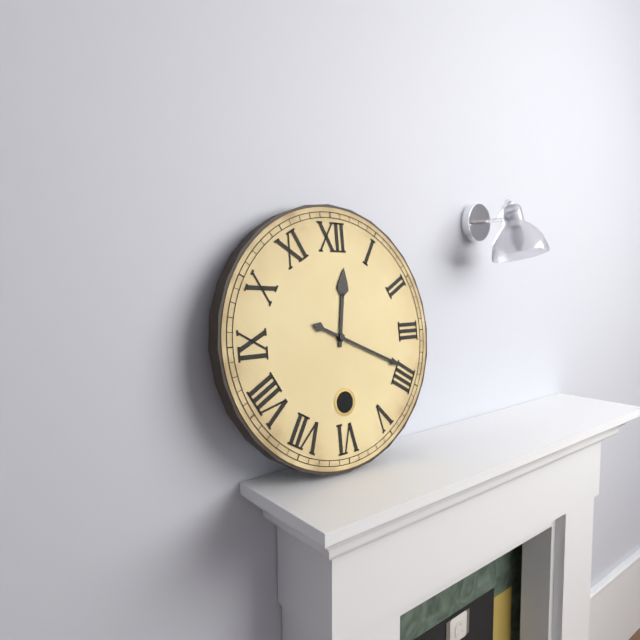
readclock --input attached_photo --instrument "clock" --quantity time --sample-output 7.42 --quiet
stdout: 12.19
